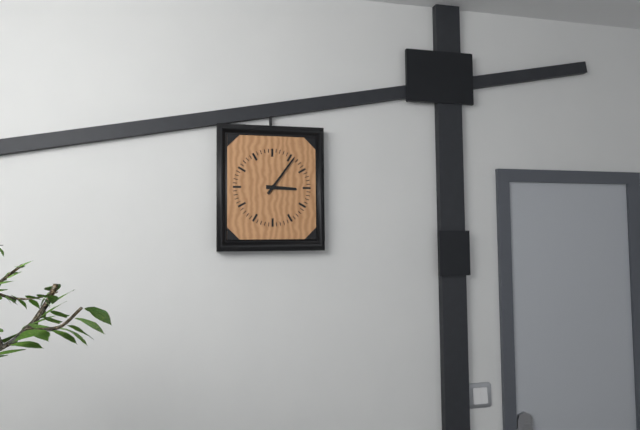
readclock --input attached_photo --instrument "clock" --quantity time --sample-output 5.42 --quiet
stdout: 3.06
